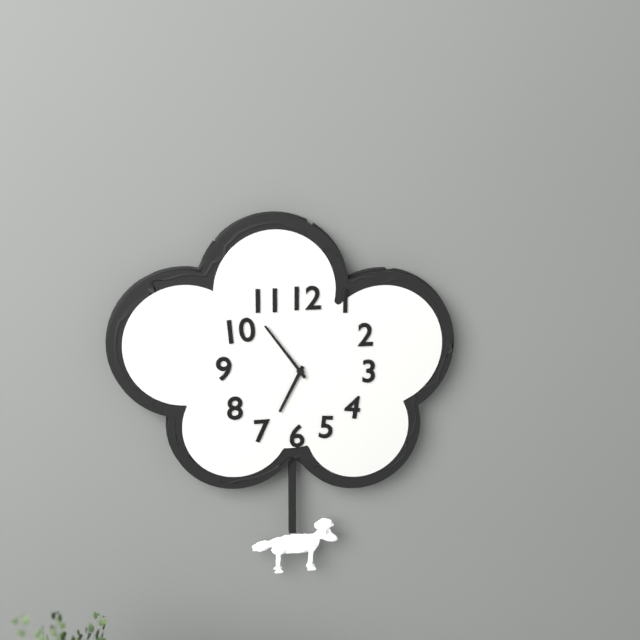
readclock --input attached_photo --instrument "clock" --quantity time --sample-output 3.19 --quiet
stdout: 6.54
